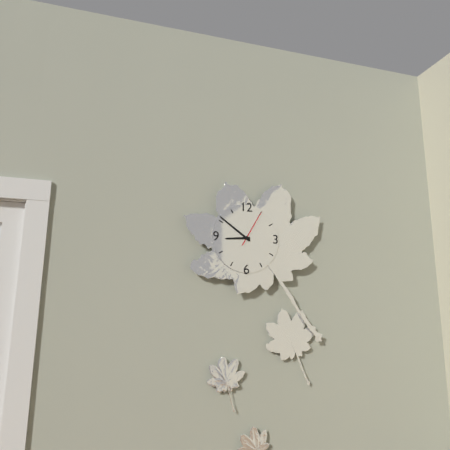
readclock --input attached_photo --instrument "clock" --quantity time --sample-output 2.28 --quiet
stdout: 8.51
